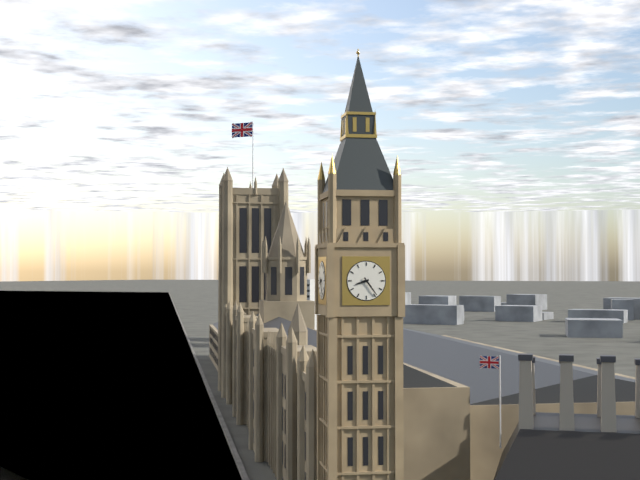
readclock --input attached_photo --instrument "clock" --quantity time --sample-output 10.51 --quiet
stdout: 8.24
